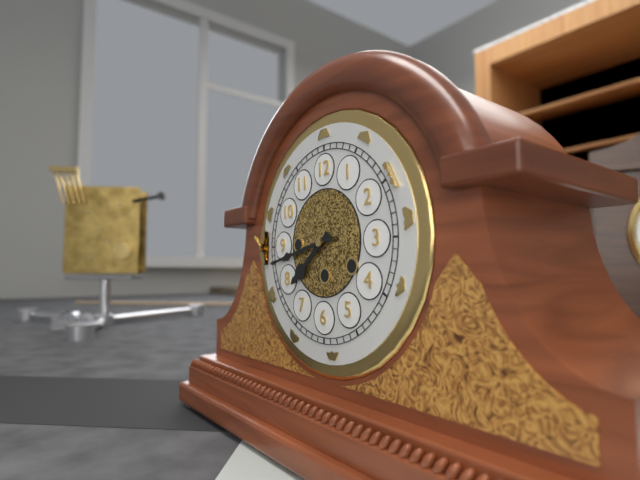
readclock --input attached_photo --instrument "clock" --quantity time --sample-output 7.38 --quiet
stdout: 7.43
